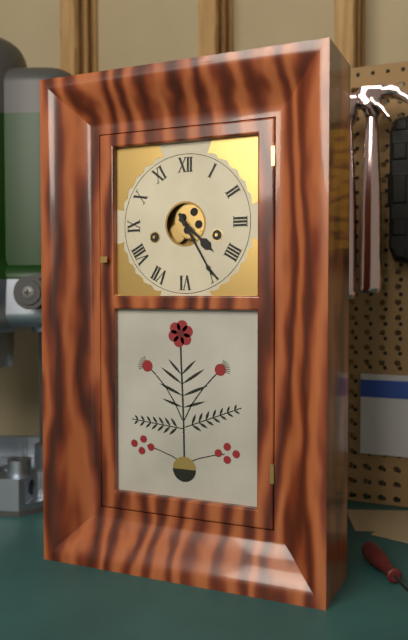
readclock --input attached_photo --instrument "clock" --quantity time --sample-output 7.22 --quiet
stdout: 4.25
